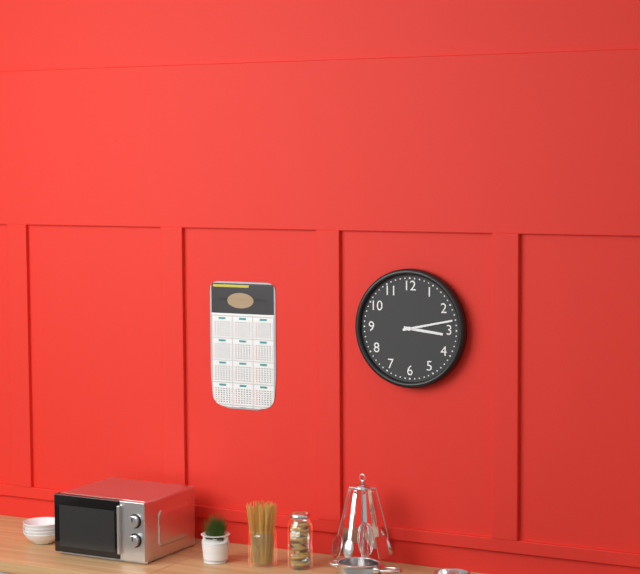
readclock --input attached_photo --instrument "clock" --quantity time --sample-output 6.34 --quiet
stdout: 3.13
